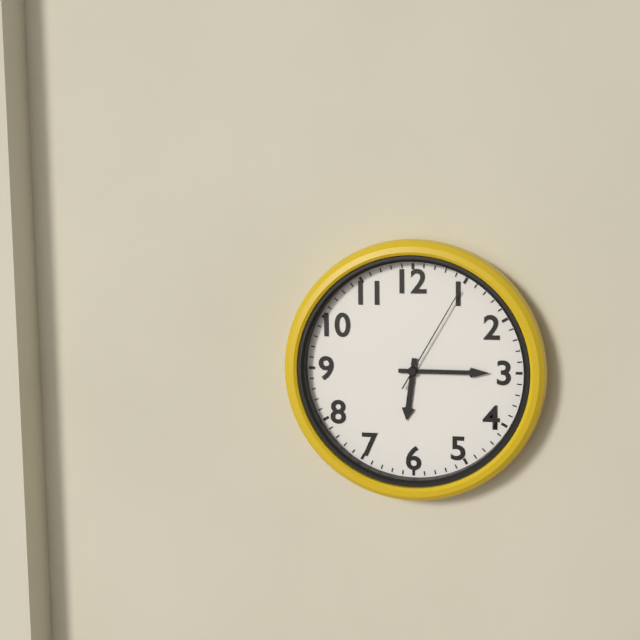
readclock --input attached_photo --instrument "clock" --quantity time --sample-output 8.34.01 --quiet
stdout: 6.15.05
